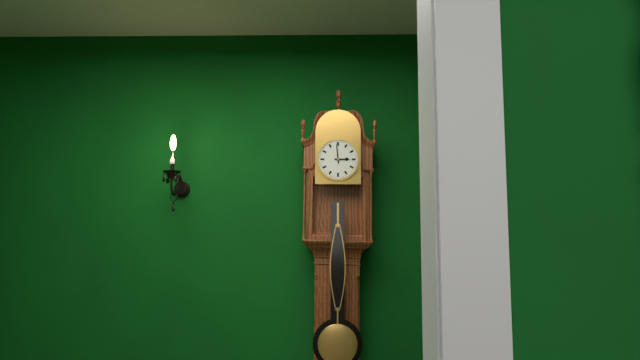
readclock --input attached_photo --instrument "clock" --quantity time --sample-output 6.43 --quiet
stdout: 2.59
